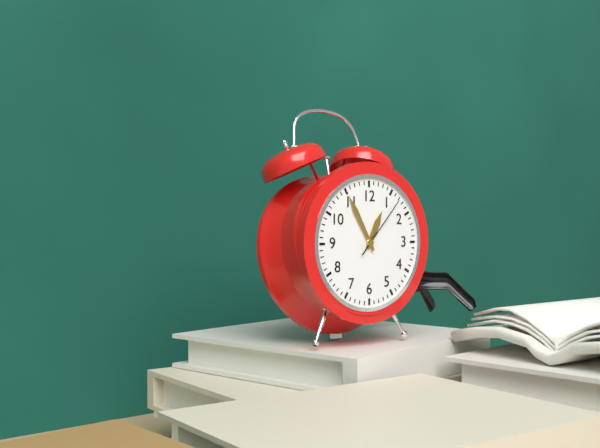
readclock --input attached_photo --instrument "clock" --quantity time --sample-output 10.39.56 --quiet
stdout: 12.55.07
